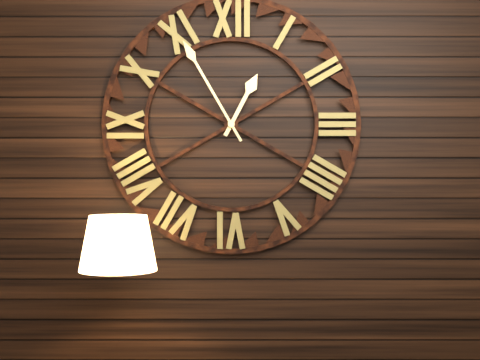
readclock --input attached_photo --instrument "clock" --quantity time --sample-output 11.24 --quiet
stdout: 12.55
